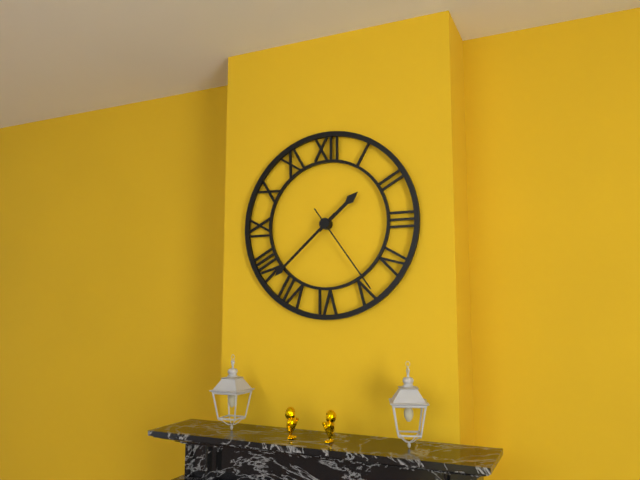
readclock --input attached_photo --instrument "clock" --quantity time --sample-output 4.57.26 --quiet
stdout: 1.38.24
